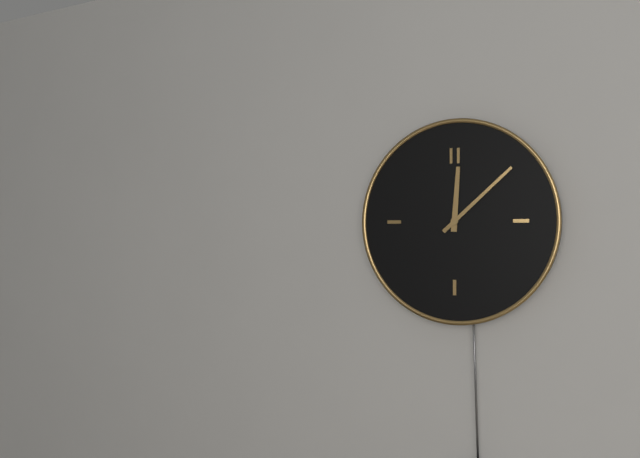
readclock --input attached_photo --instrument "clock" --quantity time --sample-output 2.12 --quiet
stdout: 12.08
